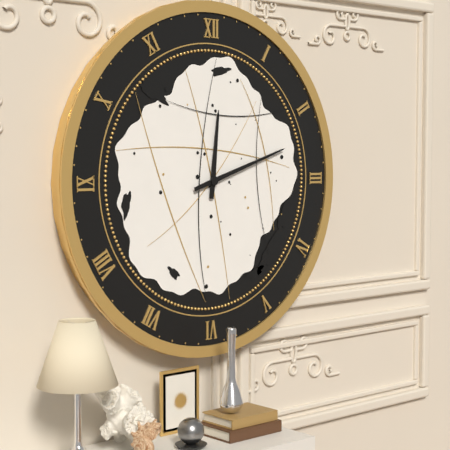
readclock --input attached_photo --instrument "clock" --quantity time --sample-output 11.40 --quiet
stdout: 12.12
